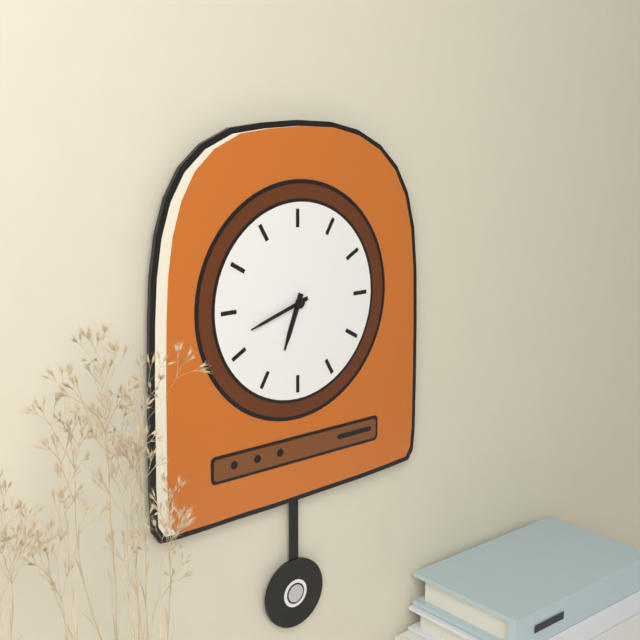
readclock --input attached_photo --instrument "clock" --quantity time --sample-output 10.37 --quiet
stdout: 6.42
